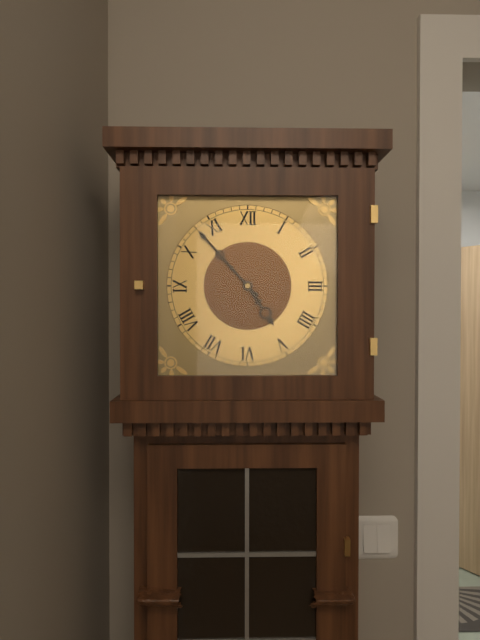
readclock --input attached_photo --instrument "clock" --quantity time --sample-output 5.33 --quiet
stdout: 4.53
